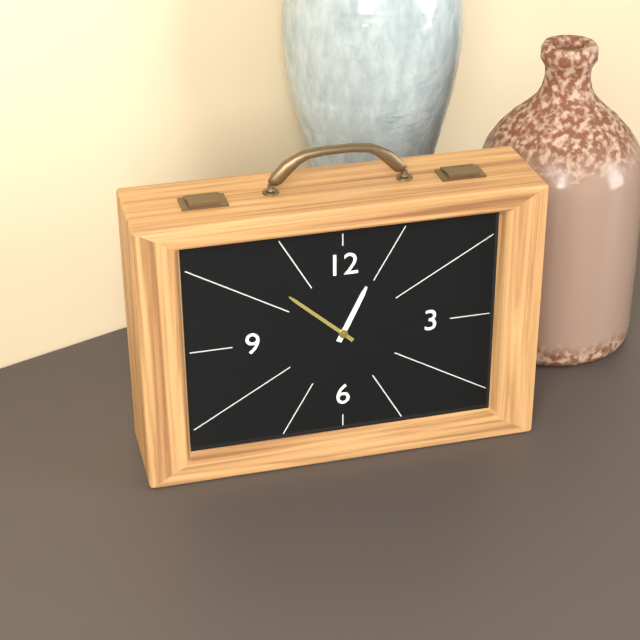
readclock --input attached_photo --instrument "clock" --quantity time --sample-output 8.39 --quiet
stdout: 12.52
